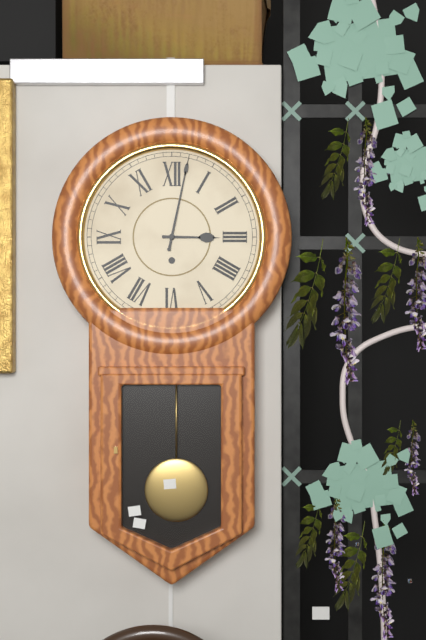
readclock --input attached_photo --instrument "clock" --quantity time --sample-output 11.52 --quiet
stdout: 3.02
